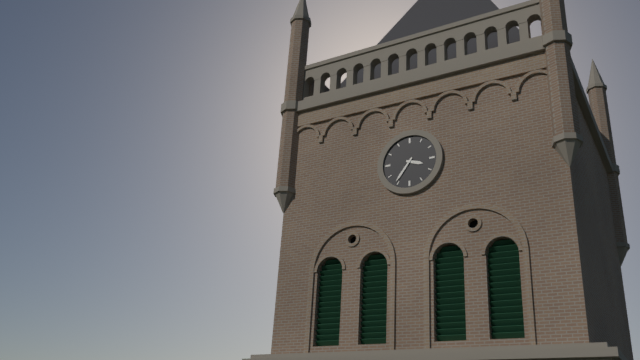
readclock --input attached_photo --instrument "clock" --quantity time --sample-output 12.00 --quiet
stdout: 3.36
